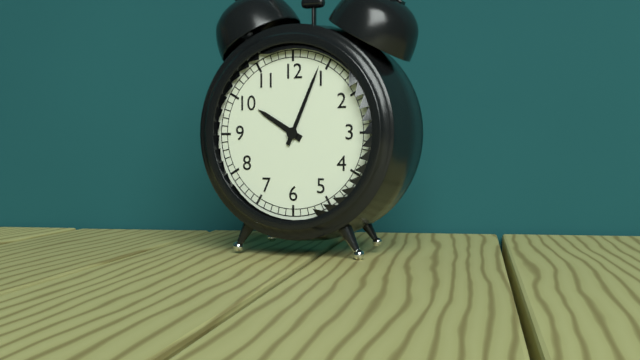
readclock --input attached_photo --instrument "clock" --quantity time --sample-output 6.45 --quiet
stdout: 10.04
